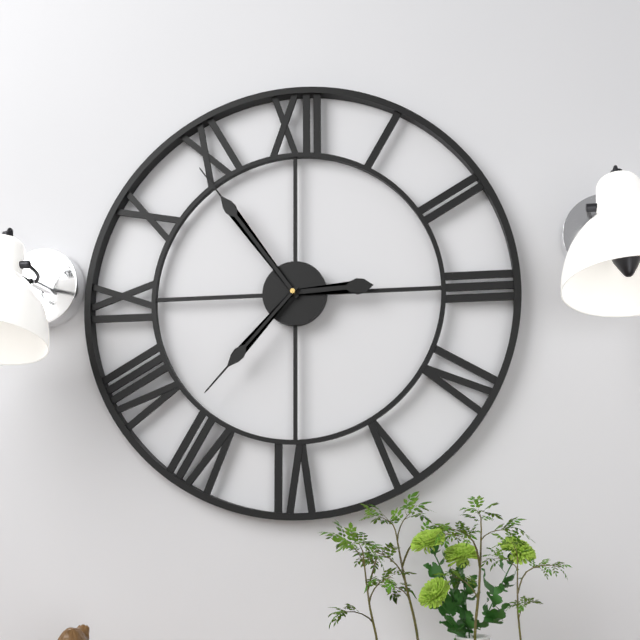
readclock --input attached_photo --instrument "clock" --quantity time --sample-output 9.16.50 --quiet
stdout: 2.54.37
